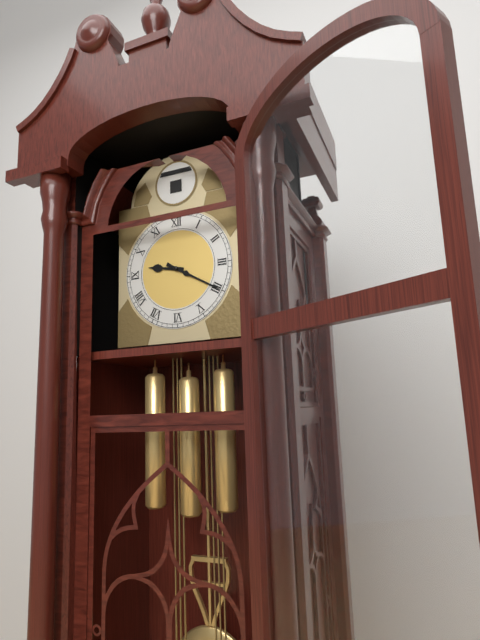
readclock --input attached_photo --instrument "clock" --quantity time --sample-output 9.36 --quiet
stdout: 9.20
